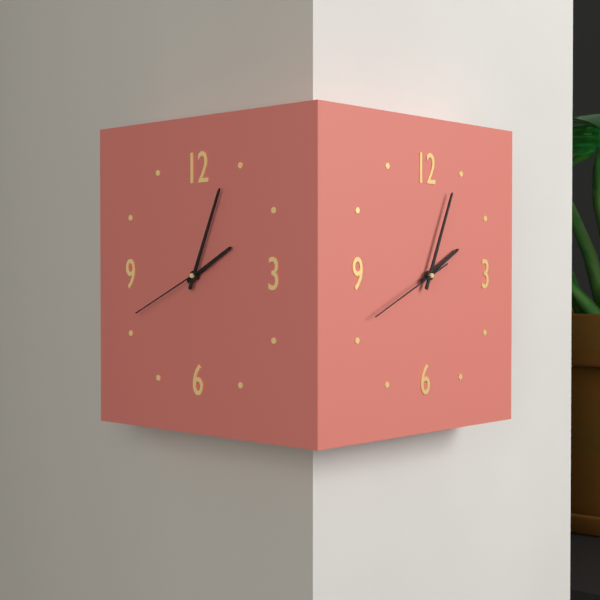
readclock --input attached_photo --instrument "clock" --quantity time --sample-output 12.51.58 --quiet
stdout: 2.04.41
